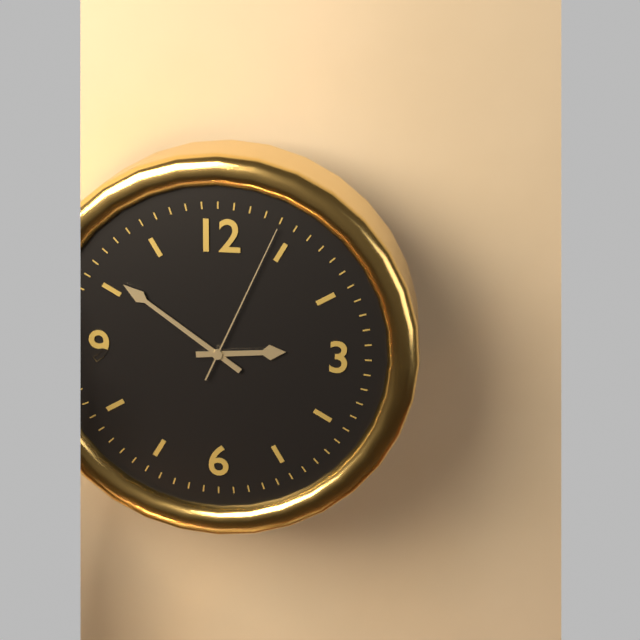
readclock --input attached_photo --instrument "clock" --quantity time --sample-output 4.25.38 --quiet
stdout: 2.51.04
